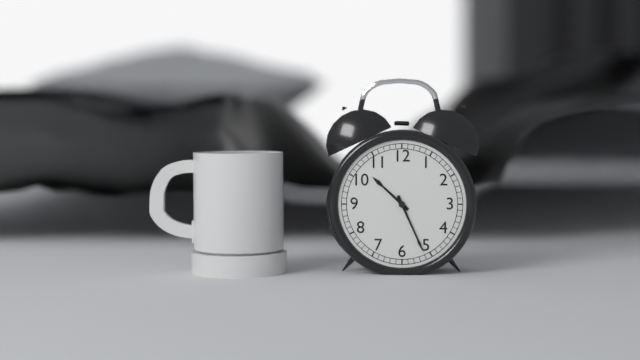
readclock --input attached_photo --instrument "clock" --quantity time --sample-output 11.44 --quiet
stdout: 10.26
